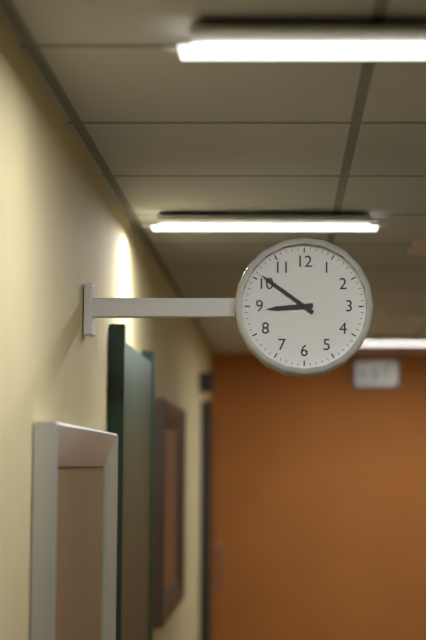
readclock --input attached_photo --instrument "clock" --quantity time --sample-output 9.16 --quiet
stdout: 8.51
